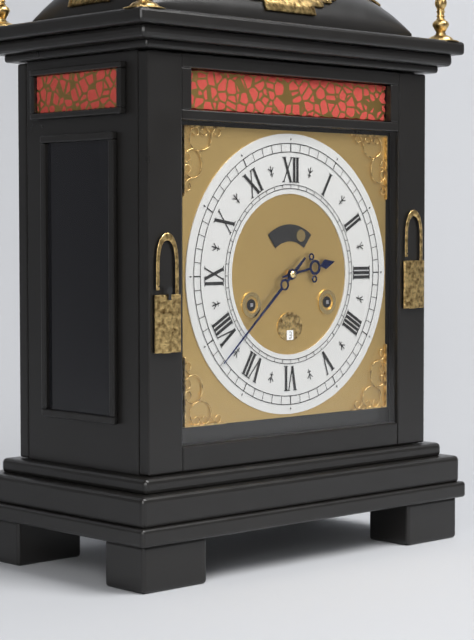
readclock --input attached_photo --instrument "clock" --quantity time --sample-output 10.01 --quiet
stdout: 2.38
